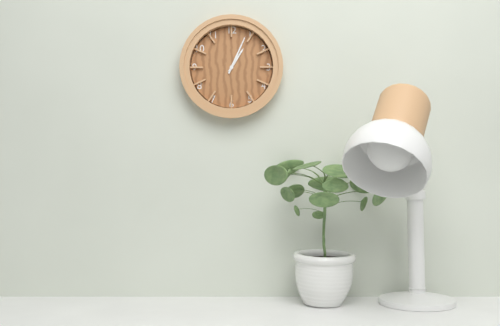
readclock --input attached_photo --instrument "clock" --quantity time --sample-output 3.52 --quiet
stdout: 1.04
